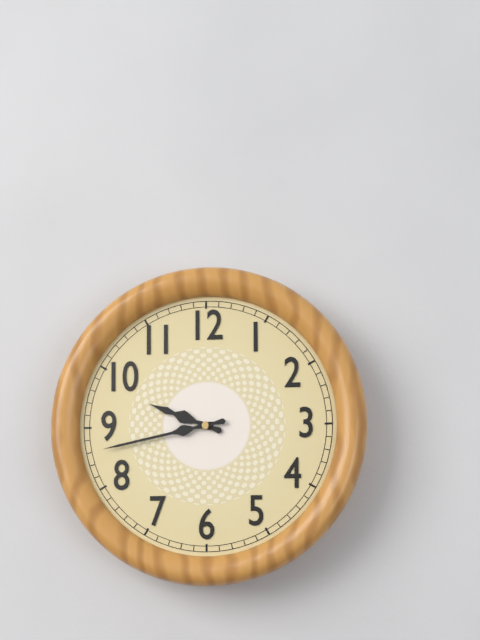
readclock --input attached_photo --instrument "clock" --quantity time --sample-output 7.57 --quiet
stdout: 9.43
